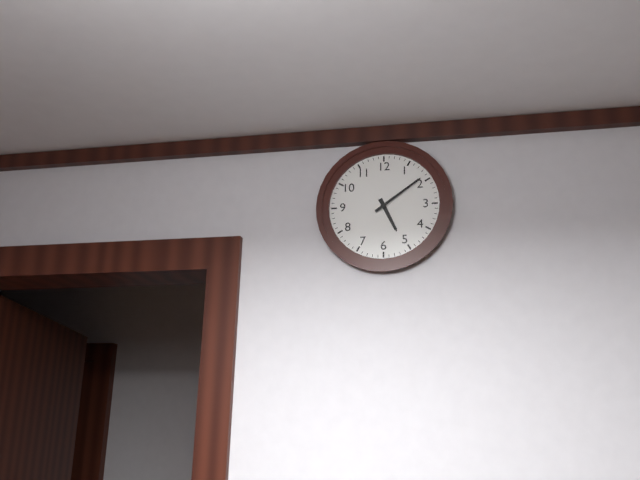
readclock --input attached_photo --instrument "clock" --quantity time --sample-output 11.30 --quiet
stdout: 5.09
